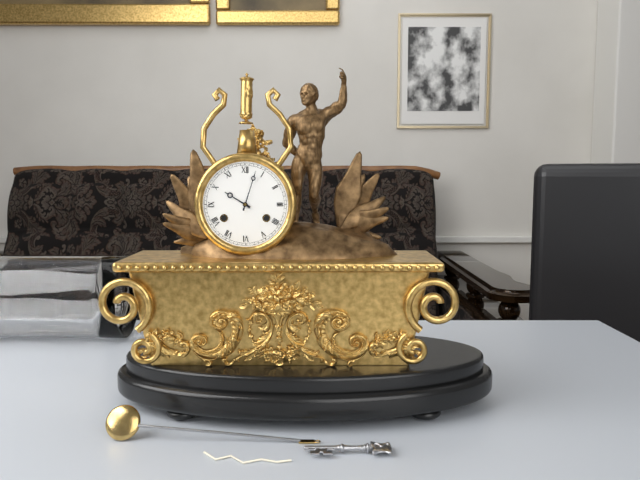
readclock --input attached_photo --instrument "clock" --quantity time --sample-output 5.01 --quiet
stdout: 10.03
